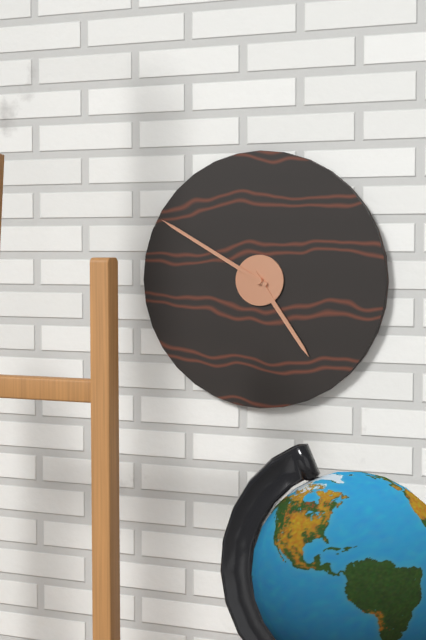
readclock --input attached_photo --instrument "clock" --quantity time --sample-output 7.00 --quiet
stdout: 4.50
